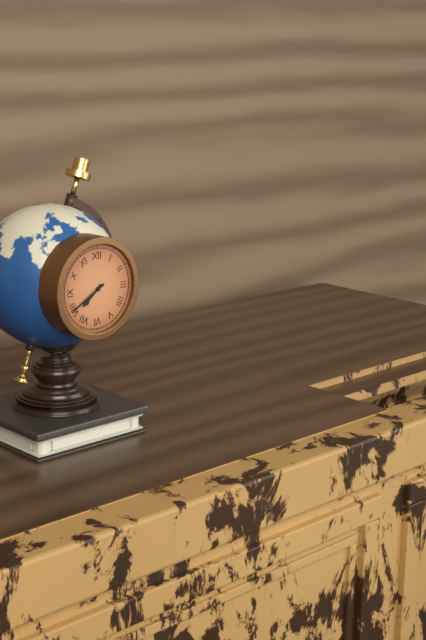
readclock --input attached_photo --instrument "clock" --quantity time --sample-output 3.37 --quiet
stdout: 7.40
